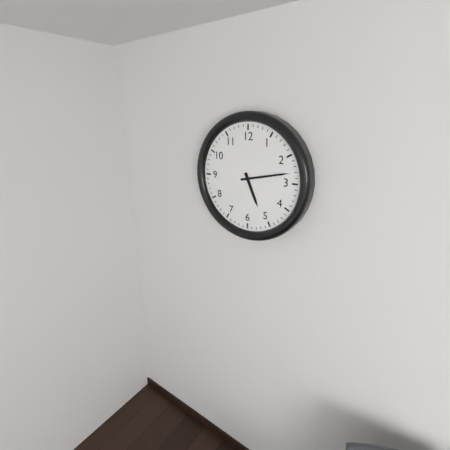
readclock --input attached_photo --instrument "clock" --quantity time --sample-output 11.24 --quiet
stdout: 5.13
